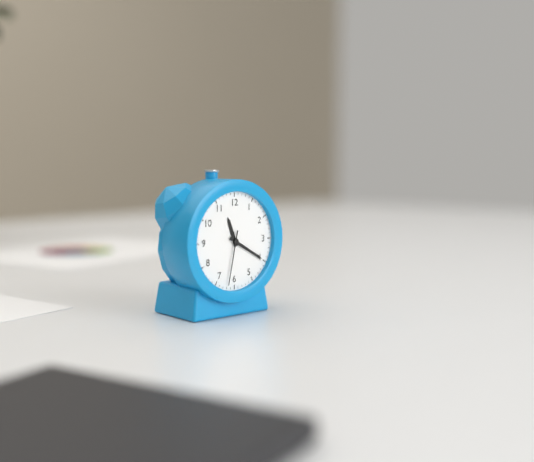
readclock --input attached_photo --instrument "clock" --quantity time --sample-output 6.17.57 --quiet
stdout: 11.20.32
